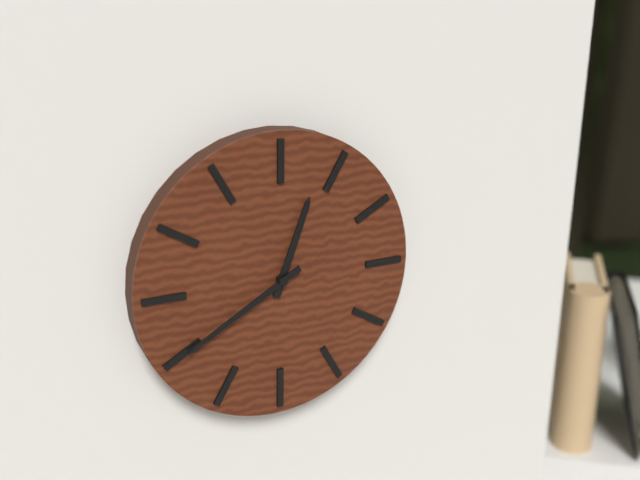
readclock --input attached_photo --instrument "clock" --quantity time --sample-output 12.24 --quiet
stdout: 12.40
